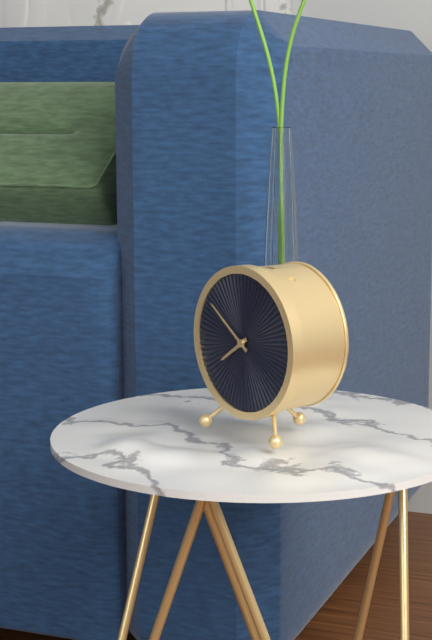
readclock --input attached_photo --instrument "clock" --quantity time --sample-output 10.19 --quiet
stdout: 7.51
